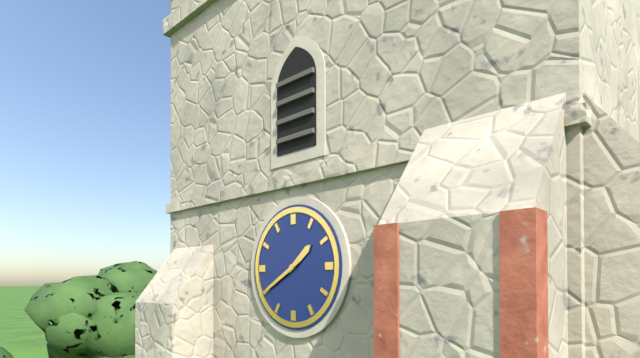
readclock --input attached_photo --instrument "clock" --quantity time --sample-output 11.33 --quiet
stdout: 1.40
